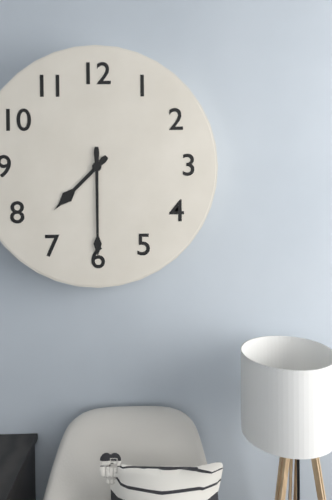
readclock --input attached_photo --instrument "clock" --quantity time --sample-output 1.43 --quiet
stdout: 7.30
